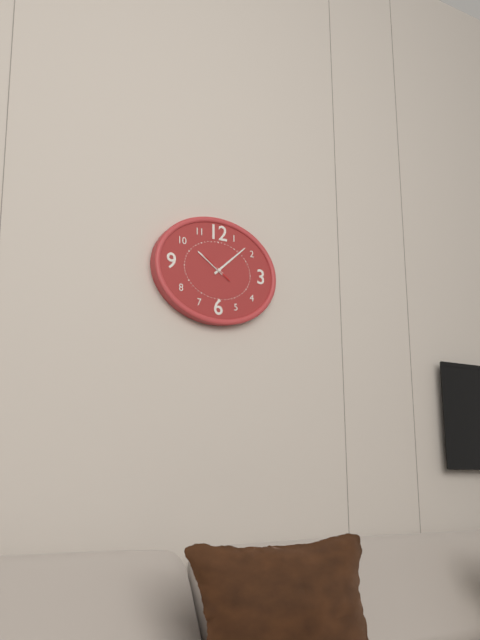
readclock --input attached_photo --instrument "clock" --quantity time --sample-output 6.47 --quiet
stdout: 10.08
